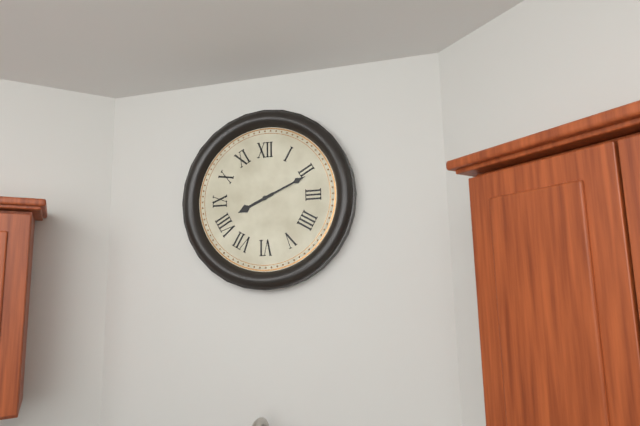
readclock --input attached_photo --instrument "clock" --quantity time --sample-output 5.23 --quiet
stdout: 8.11
